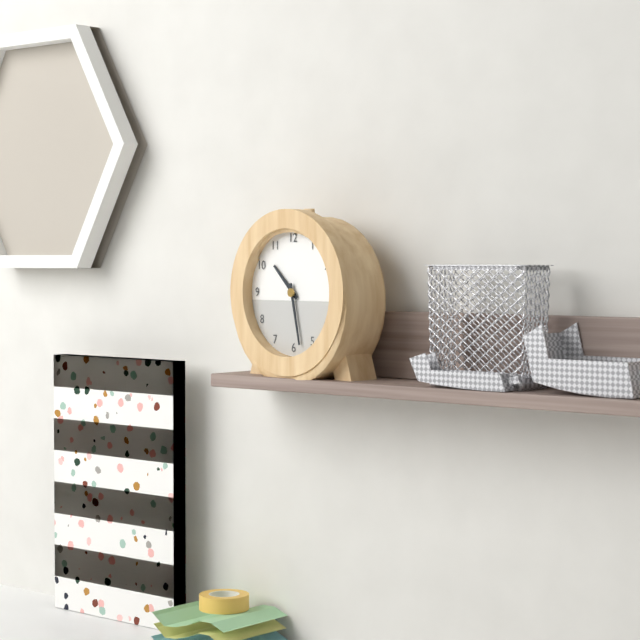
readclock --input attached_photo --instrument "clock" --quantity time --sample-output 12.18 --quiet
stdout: 10.28
